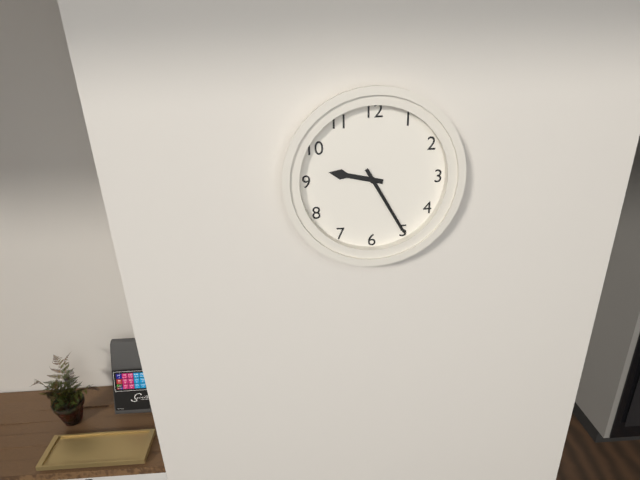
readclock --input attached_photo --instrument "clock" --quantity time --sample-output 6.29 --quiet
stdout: 9.25
